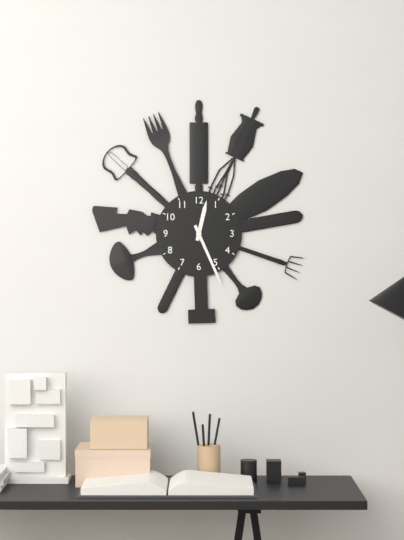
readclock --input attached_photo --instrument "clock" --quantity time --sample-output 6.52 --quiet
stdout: 12.26
